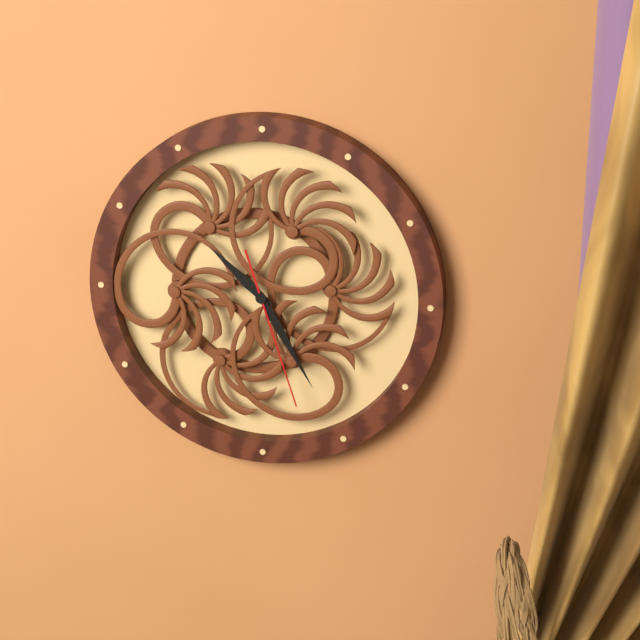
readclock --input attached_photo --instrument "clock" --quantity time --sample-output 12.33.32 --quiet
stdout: 10.25.27
